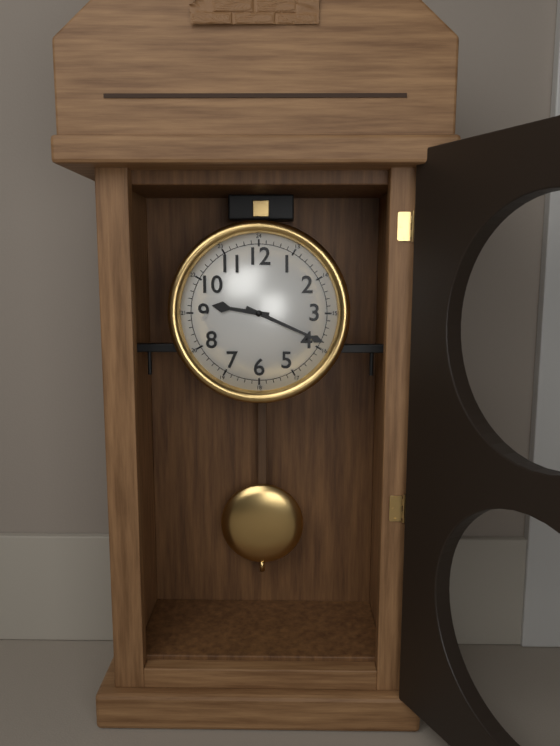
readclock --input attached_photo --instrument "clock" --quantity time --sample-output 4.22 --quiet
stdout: 9.19
